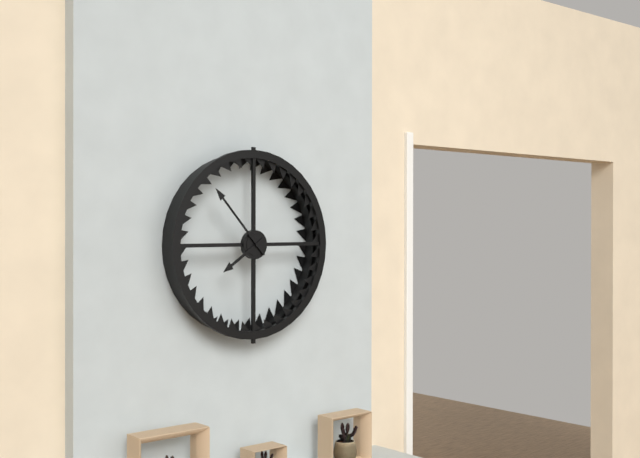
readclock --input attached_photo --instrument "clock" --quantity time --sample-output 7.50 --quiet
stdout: 7.53
